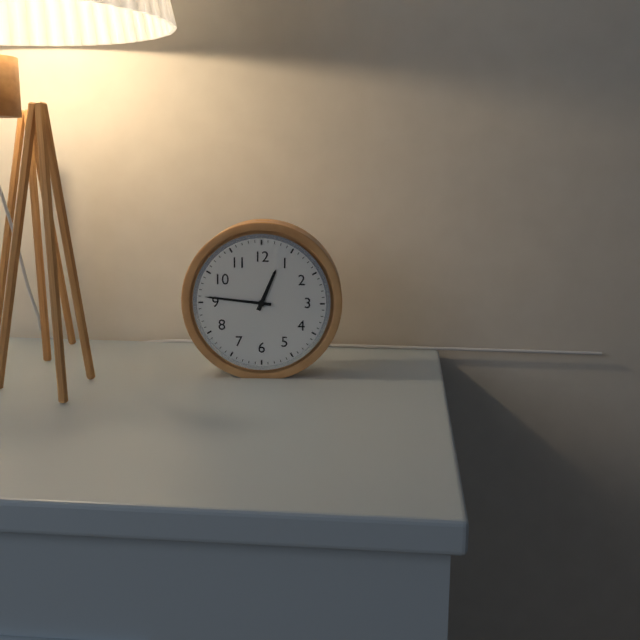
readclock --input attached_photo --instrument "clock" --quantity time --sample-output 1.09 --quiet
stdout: 12.46
